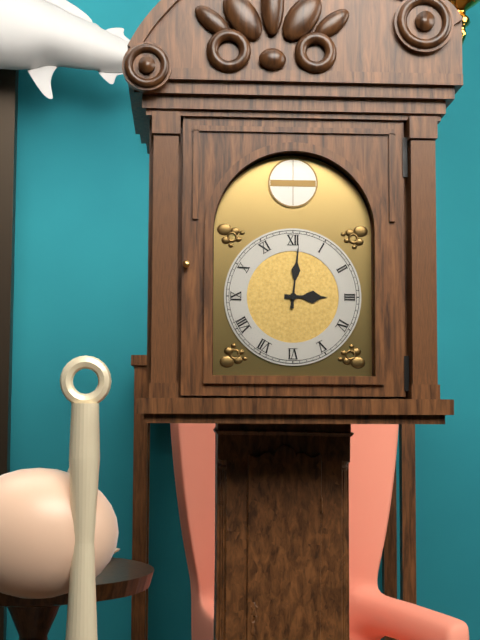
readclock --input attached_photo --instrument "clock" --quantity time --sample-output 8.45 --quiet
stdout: 3.01
